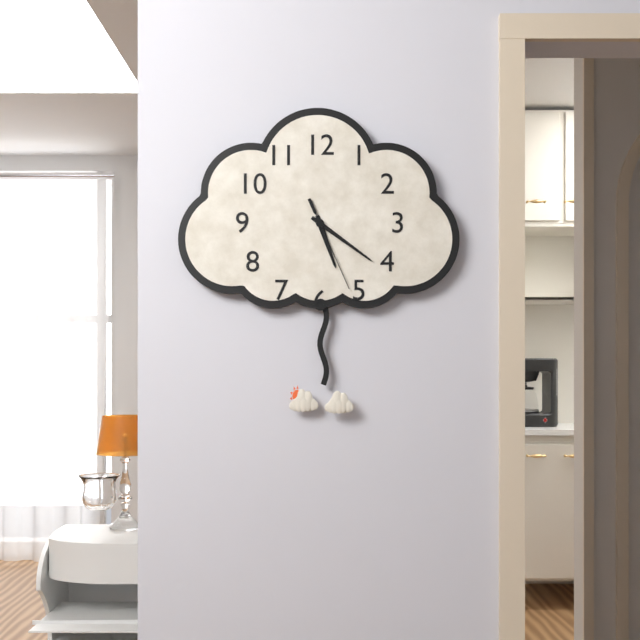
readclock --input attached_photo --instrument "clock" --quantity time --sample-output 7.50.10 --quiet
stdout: 5.21.26
